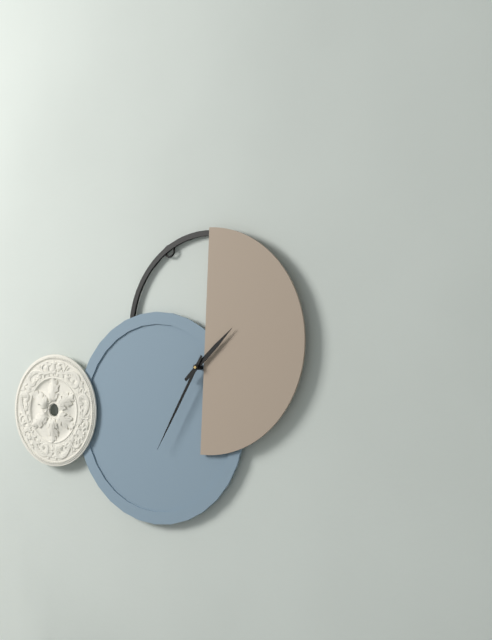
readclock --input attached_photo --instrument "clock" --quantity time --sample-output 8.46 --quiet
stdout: 1.35
